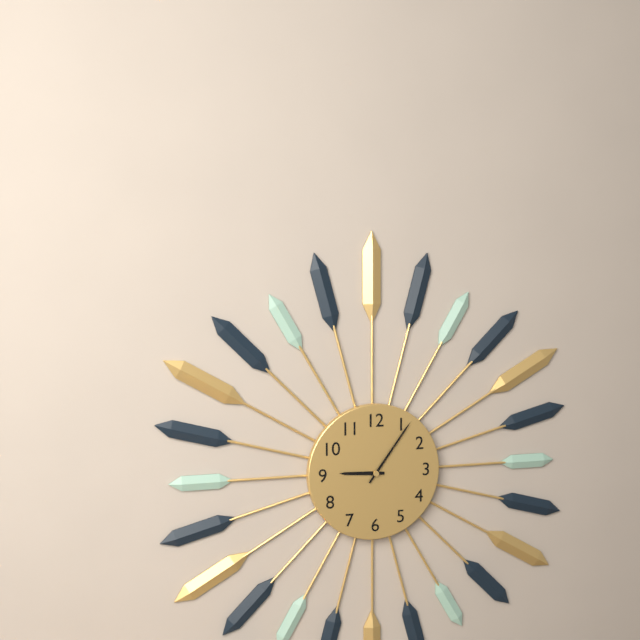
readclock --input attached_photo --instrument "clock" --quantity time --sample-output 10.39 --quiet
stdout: 9.06
